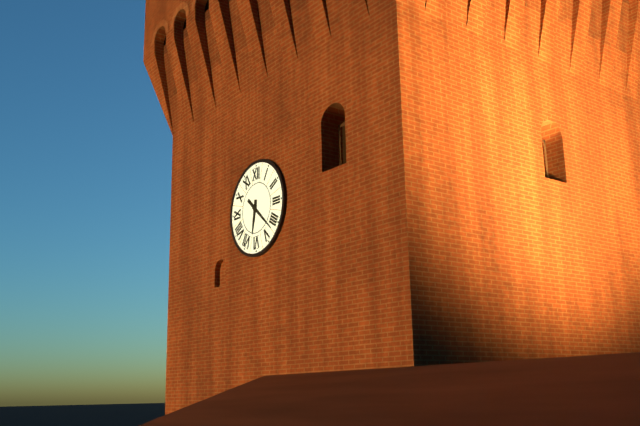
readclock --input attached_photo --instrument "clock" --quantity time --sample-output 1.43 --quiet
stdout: 6.22
